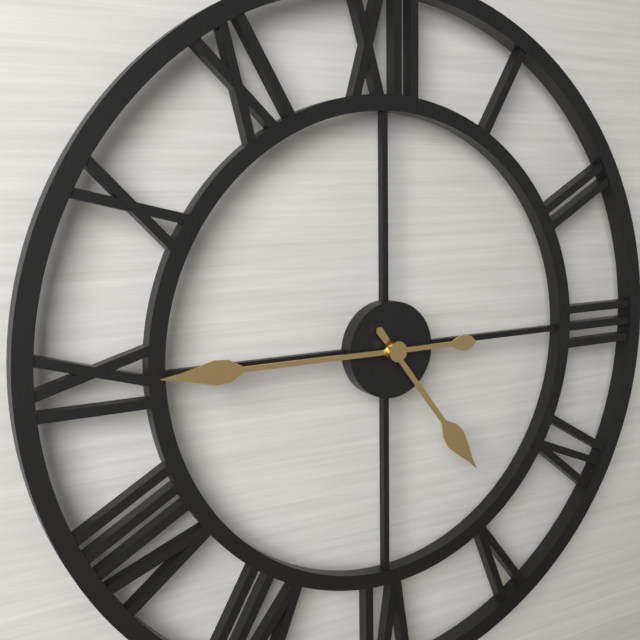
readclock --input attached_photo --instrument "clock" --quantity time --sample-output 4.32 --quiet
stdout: 4.45
